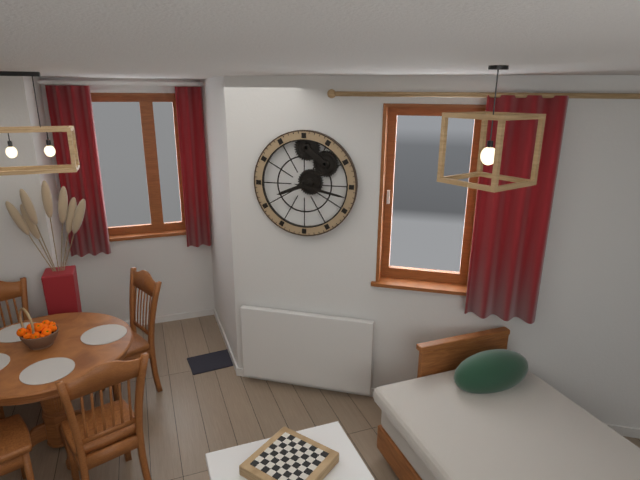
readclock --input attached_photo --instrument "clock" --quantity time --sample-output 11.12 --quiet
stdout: 8.17
